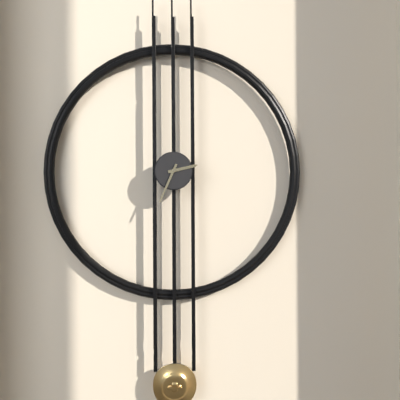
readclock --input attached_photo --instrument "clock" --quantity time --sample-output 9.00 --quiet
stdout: 2.34
